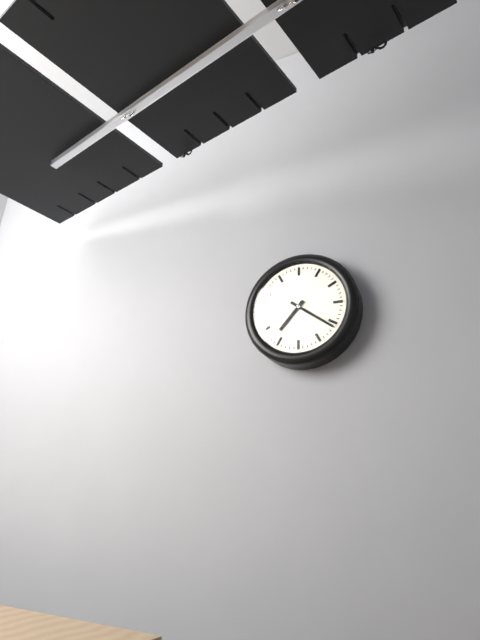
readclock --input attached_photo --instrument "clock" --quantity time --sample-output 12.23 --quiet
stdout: 7.21
